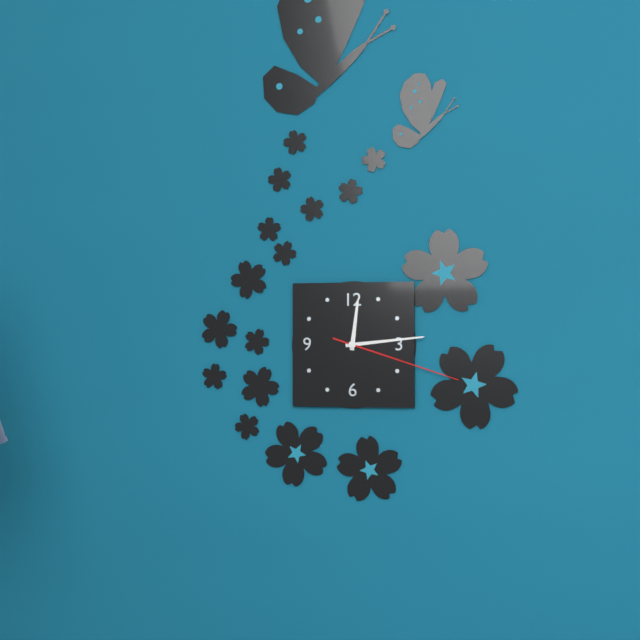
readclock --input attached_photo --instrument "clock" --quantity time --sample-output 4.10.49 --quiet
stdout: 12.14.18
